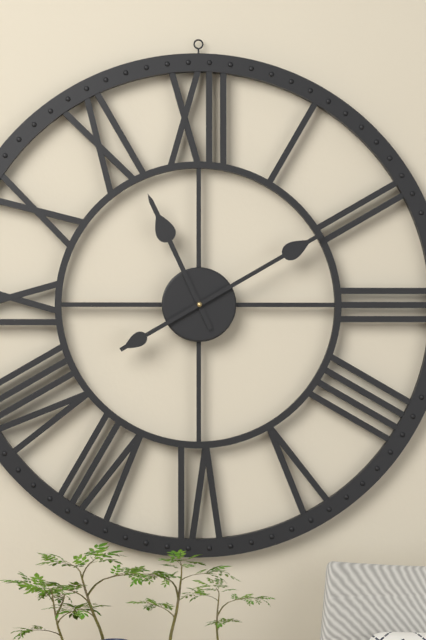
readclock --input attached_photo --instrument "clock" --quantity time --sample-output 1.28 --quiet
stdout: 11.10
